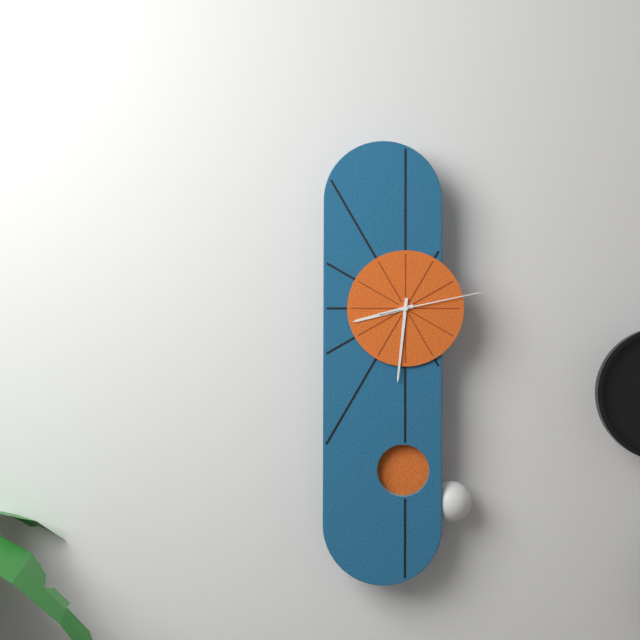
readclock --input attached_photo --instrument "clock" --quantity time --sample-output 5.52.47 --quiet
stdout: 8.31.13
